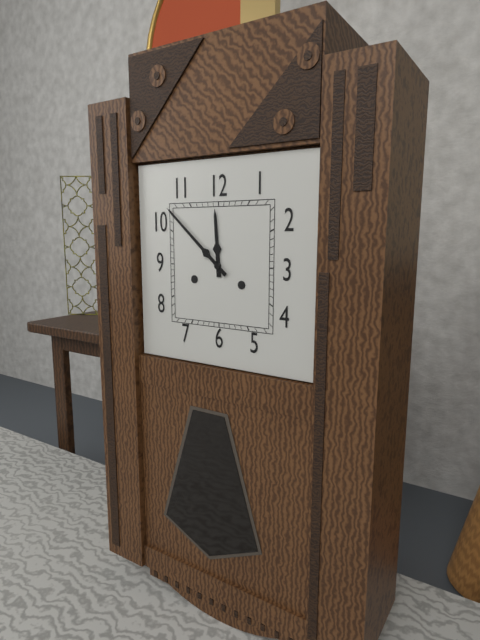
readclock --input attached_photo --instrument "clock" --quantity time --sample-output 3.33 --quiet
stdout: 11.52
